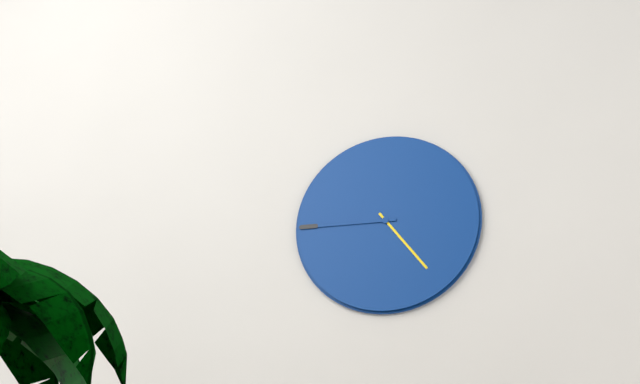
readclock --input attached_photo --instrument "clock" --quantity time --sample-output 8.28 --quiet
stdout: 4.45
